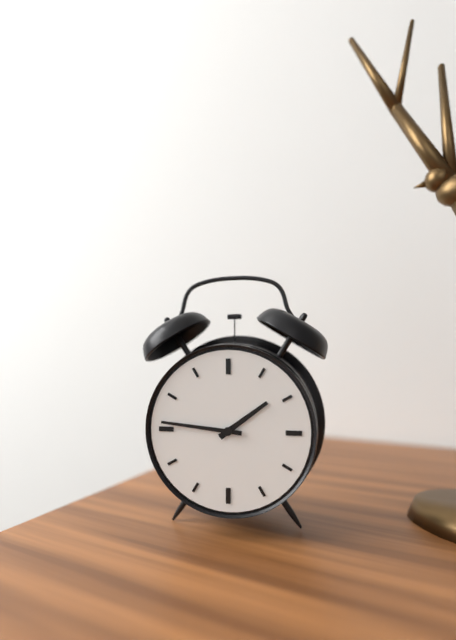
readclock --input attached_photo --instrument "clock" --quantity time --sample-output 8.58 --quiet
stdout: 1.46
